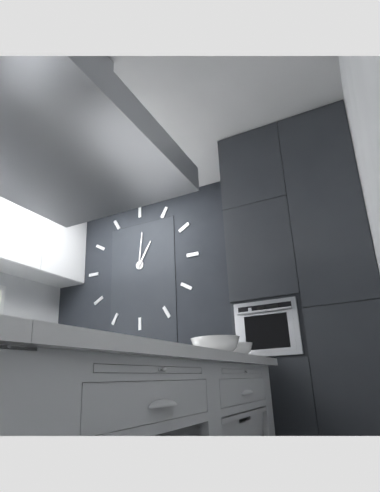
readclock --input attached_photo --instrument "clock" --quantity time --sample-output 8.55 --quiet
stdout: 1.01
